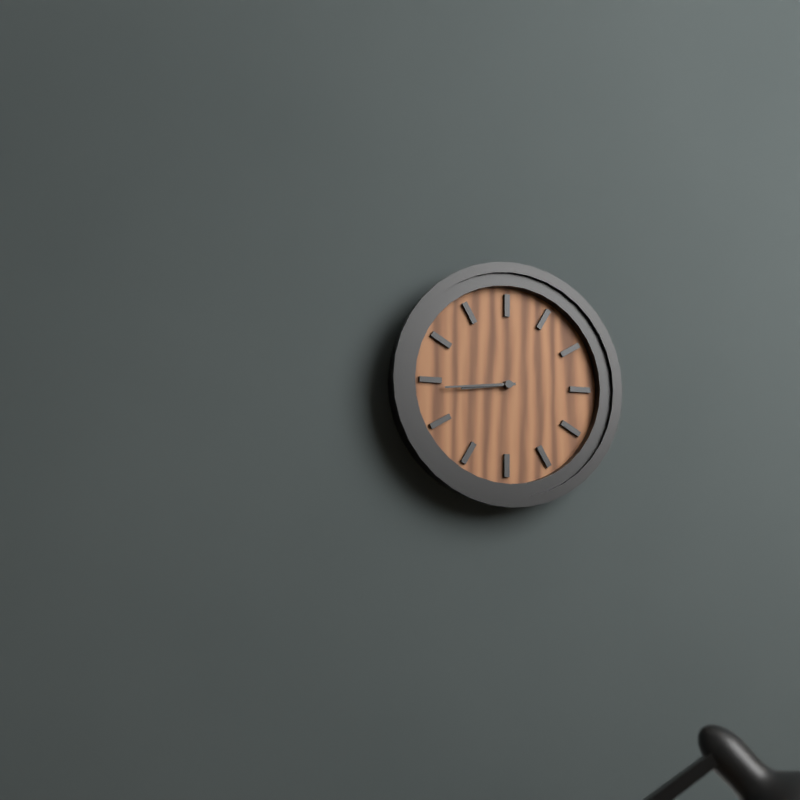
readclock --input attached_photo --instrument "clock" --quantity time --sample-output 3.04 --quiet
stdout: 8.44
